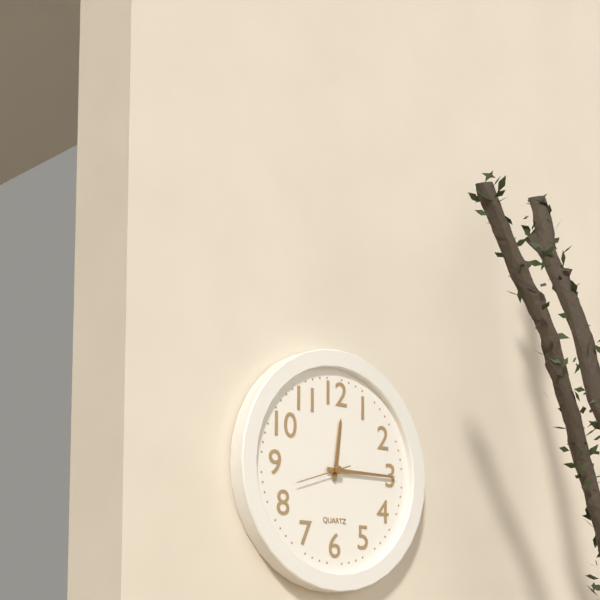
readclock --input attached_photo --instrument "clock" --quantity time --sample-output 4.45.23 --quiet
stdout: 12.15.42
